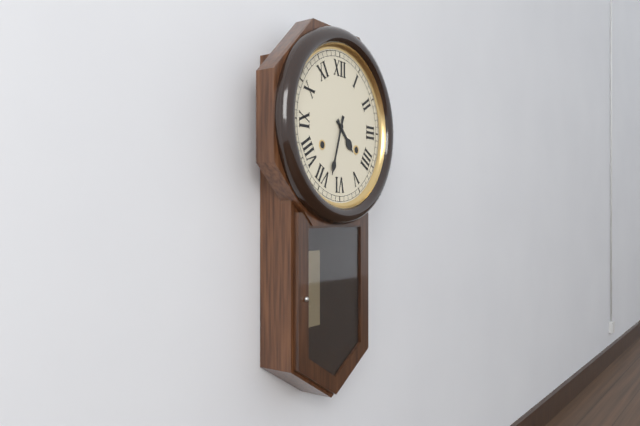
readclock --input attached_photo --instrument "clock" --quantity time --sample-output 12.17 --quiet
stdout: 4.33
